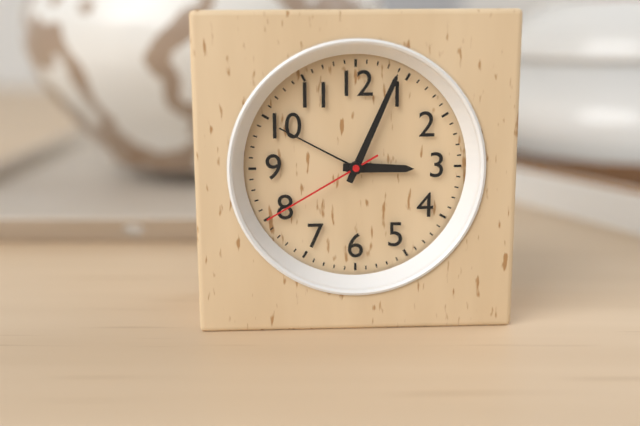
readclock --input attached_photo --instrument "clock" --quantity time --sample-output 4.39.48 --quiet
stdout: 3.04.40
